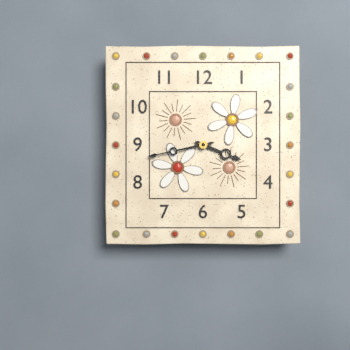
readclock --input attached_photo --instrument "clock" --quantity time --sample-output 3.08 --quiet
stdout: 3.43
